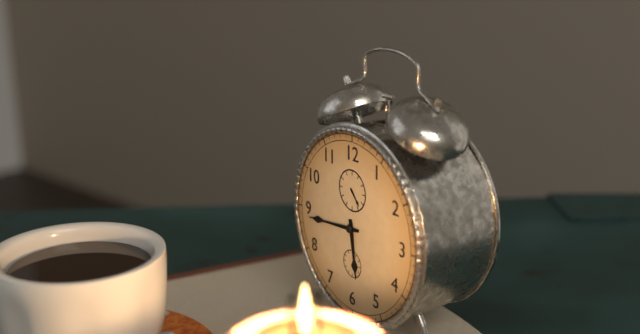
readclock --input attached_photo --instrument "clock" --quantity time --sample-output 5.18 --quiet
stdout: 5.44
